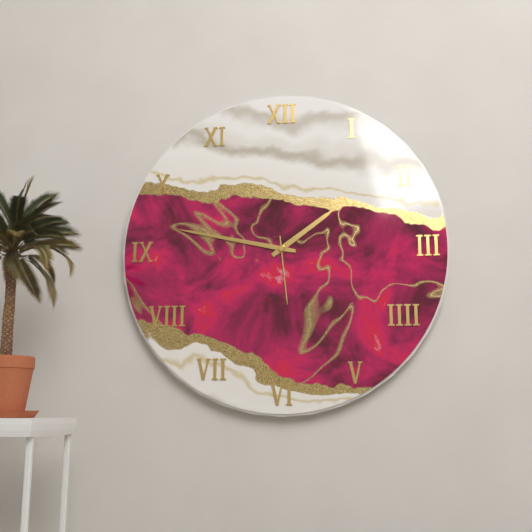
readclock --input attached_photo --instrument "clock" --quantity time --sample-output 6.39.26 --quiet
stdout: 1.47.29
